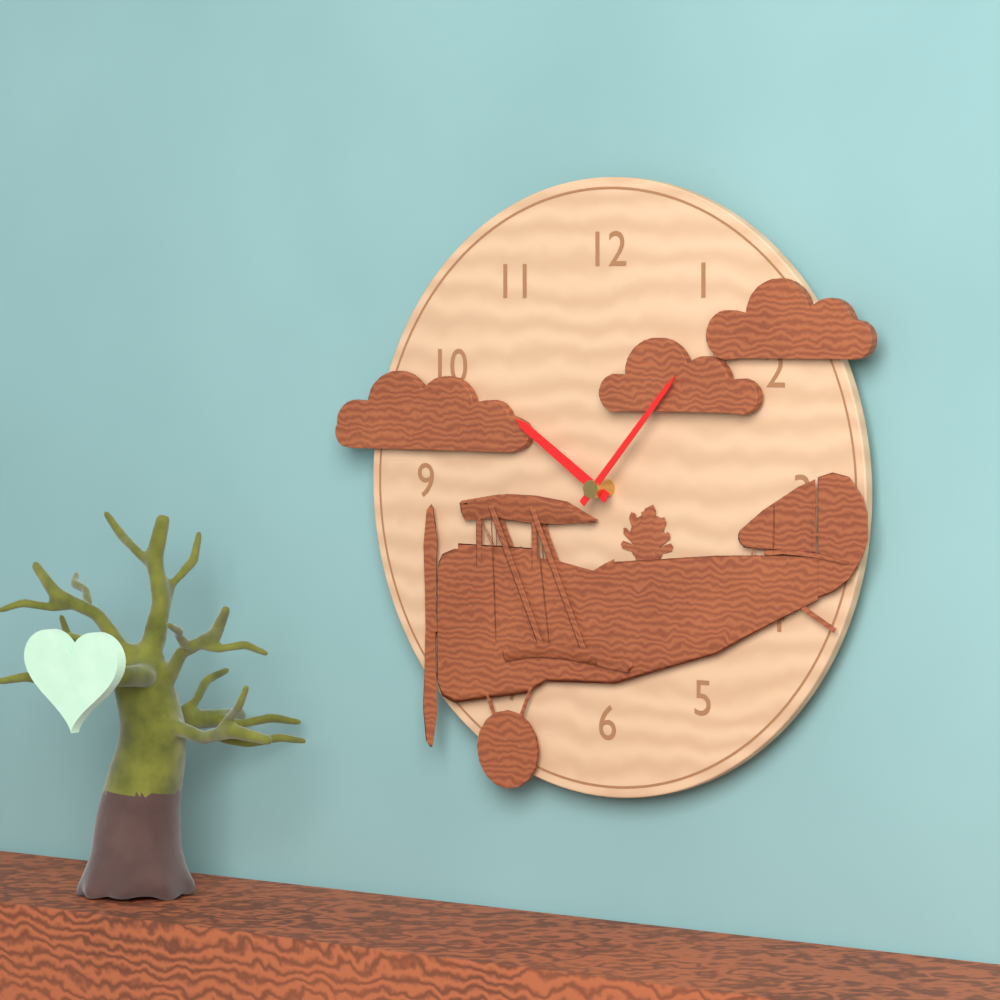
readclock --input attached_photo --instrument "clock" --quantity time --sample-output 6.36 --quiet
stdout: 10.07
